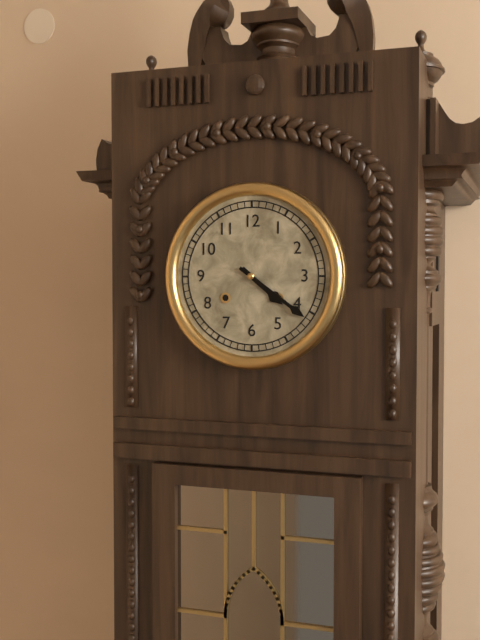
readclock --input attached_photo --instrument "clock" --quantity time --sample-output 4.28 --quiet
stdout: 4.21
